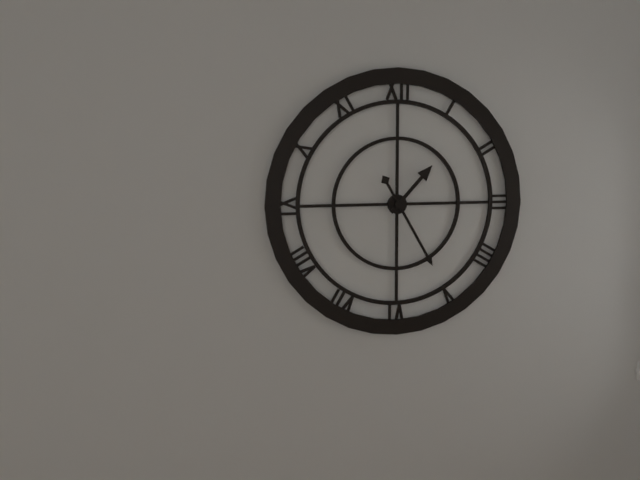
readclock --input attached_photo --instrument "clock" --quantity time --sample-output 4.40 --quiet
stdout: 1.25
